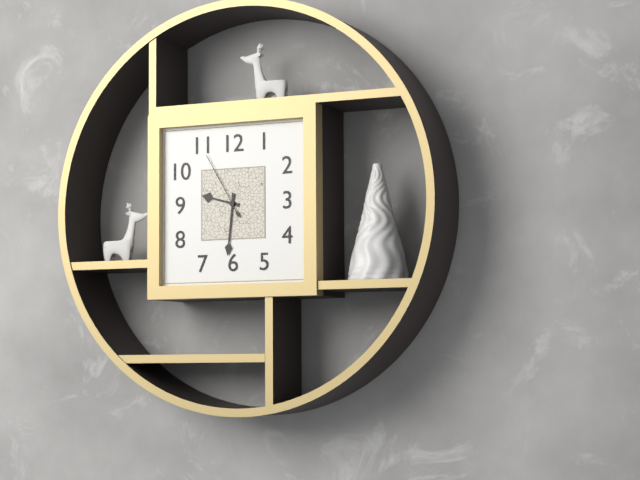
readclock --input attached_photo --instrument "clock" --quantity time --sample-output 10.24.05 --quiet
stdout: 9.31.55
